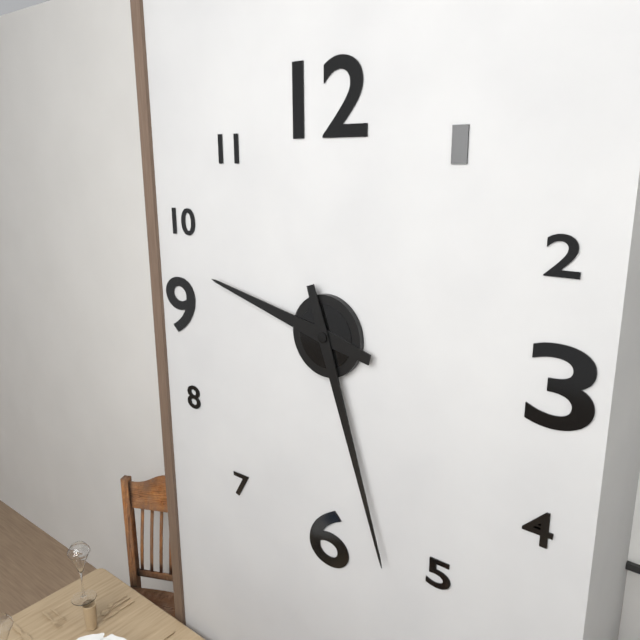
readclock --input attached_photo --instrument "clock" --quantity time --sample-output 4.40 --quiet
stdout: 9.27
